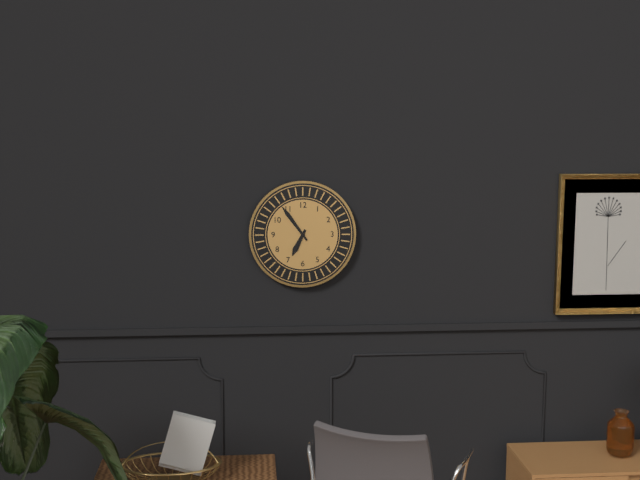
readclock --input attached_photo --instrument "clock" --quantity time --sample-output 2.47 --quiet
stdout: 6.54
